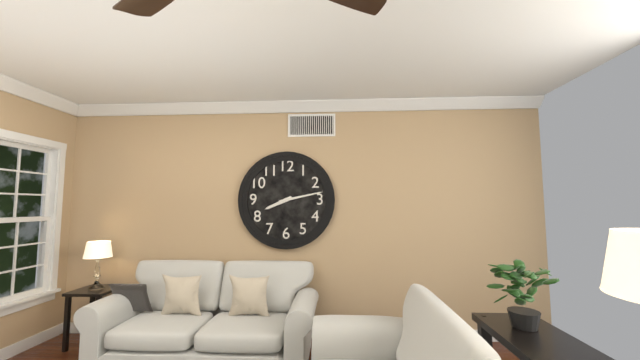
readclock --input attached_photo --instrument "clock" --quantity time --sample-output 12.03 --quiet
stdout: 8.13
